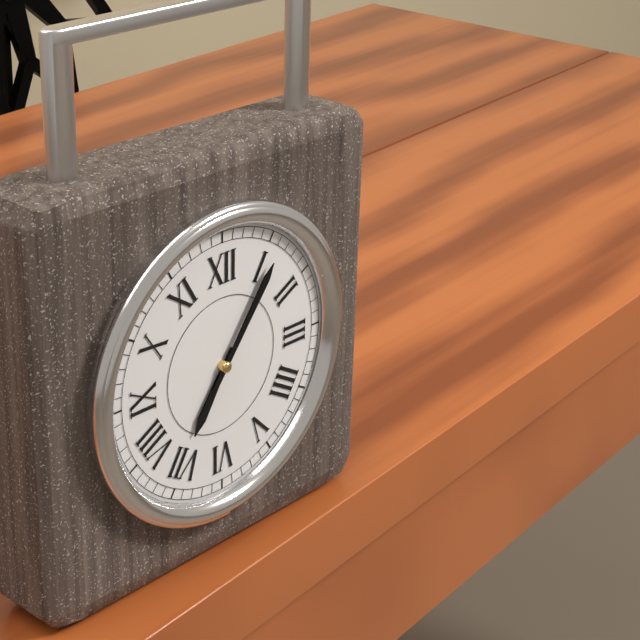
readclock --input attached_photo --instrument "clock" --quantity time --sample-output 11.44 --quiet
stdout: 7.06
